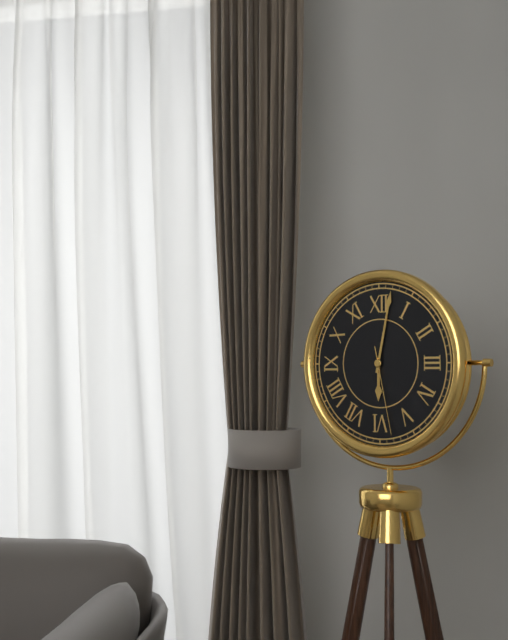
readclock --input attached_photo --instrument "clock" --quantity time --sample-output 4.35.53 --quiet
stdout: 6.02.28
